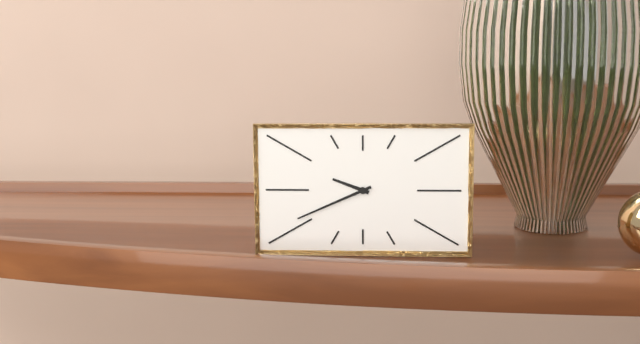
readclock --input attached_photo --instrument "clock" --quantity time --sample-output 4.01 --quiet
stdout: 9.41
